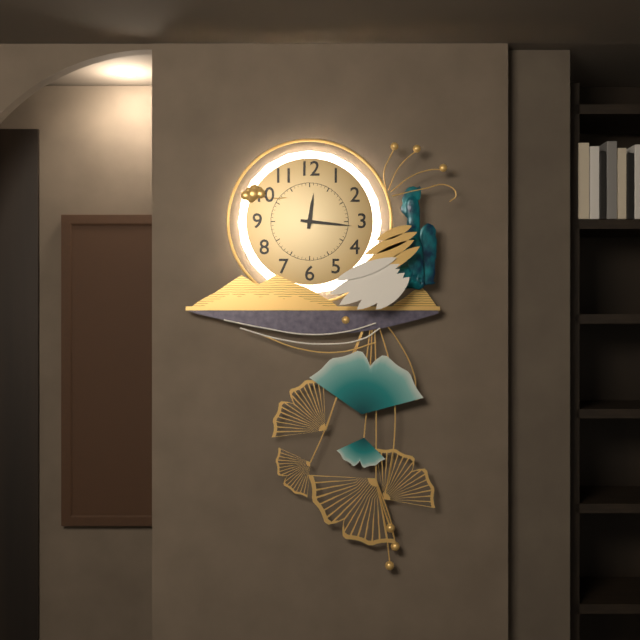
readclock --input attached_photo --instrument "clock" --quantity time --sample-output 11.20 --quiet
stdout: 12.16
